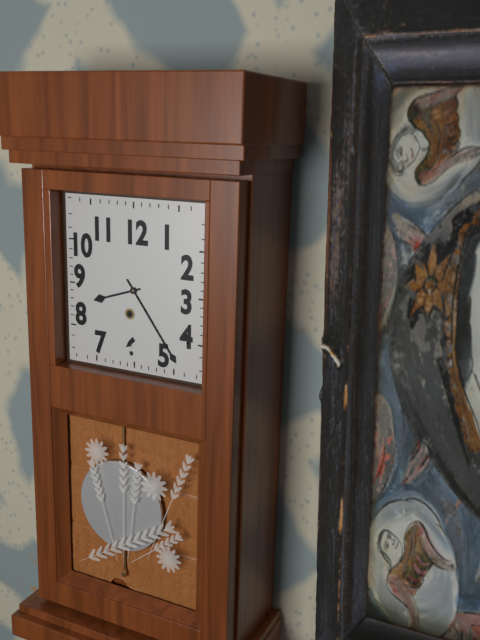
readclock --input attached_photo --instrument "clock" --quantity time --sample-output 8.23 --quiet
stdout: 8.24
